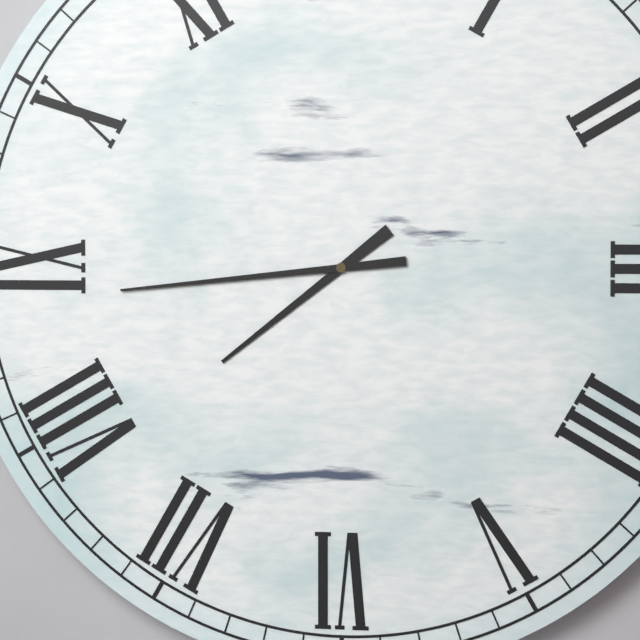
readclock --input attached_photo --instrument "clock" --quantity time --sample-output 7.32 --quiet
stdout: 7.44
